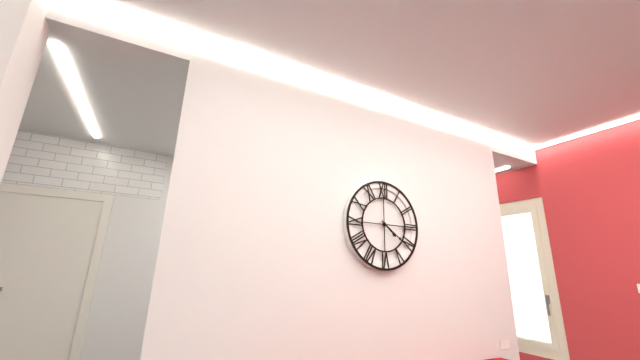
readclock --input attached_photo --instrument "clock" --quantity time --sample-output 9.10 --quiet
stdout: 4.21
